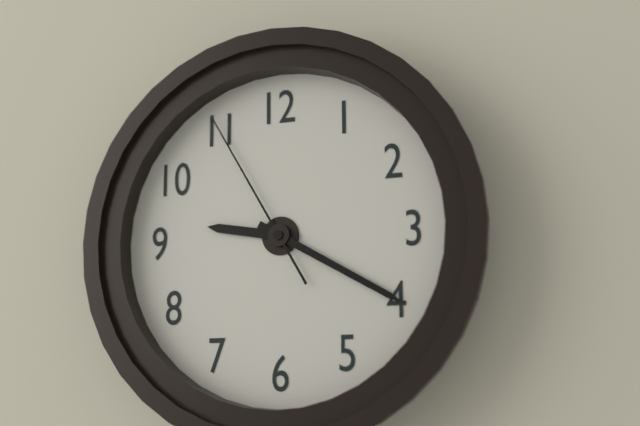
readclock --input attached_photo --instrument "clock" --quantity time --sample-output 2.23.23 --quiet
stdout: 9.20.55
